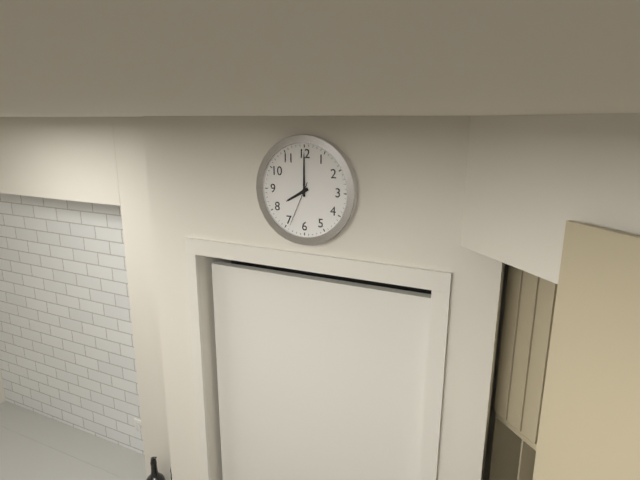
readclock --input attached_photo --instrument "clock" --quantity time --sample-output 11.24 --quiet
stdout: 8.00
